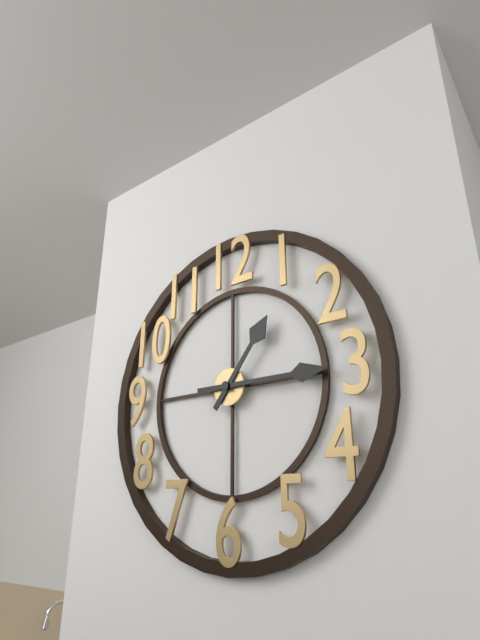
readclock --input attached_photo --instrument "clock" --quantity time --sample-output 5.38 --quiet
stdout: 1.15
